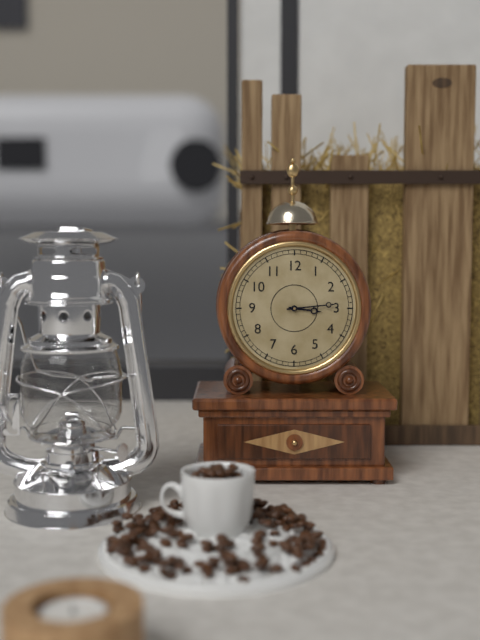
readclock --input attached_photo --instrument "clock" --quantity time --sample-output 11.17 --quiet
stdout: 3.14
